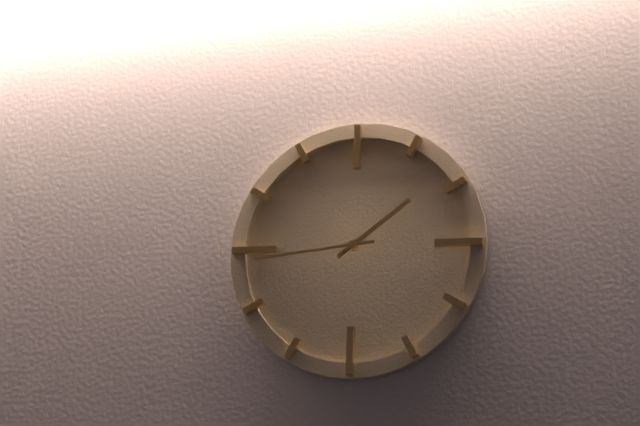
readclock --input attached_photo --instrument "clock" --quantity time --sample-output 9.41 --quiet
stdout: 1.44
